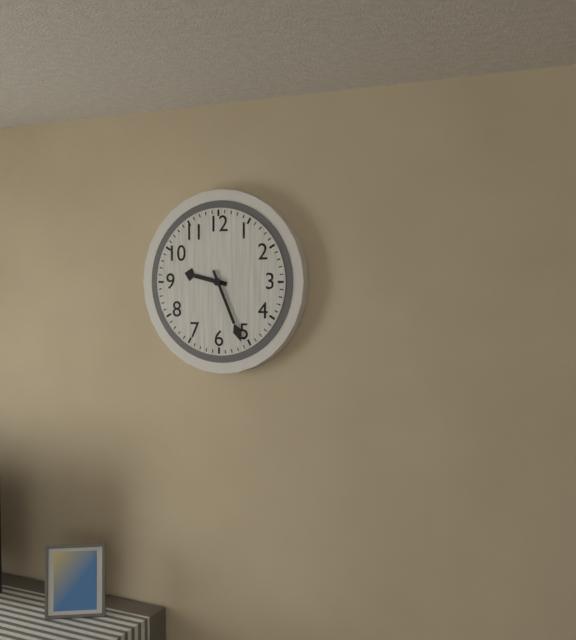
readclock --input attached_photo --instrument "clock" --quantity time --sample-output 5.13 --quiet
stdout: 9.26
